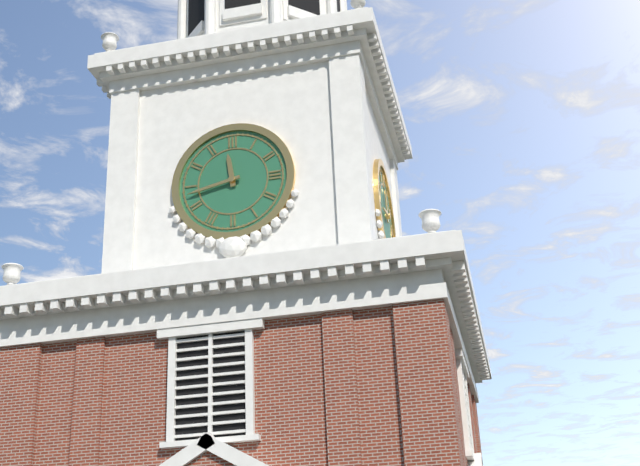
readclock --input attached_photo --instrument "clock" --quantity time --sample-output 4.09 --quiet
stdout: 11.43
